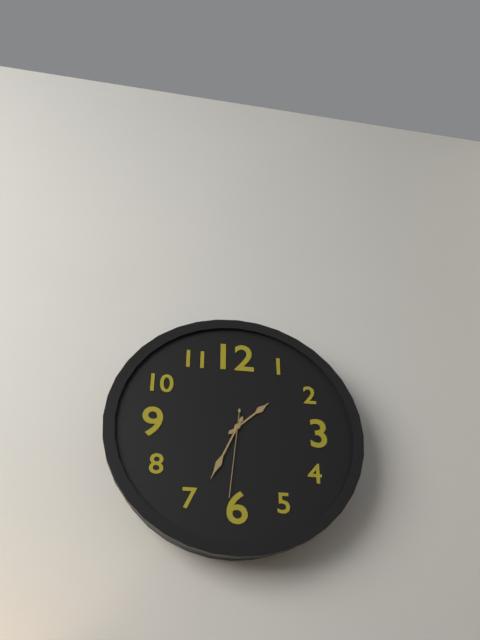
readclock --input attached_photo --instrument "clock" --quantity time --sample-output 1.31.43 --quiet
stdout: 1.34.31
